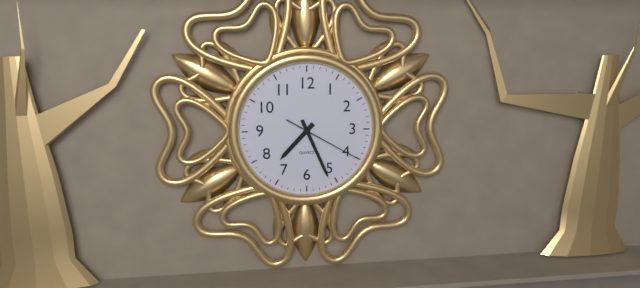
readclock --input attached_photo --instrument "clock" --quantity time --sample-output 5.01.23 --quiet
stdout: 7.26.20
